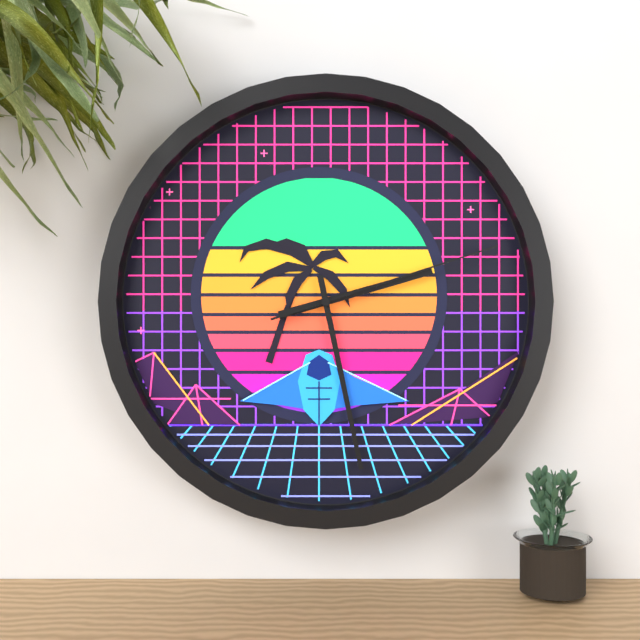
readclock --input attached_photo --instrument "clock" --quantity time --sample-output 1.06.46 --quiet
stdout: 2.28.12
